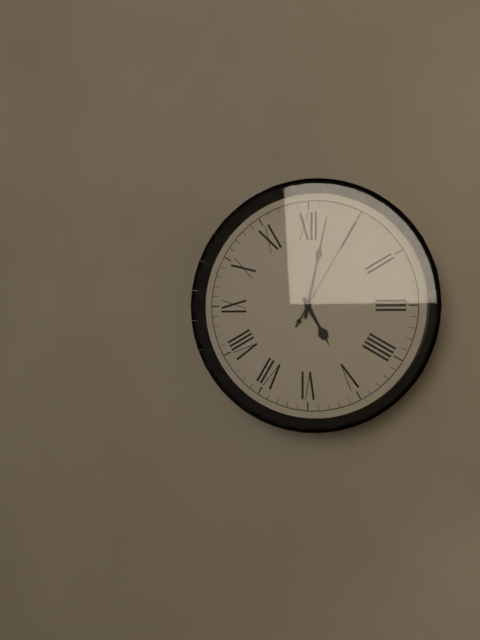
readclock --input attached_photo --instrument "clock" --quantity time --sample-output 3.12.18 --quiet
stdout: 5.02.05
